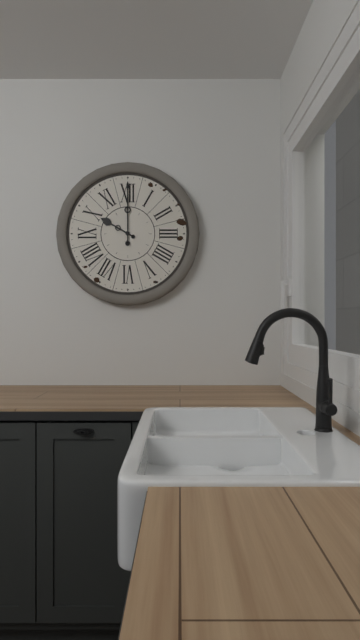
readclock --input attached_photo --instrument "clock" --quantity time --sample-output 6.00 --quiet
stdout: 10.00
